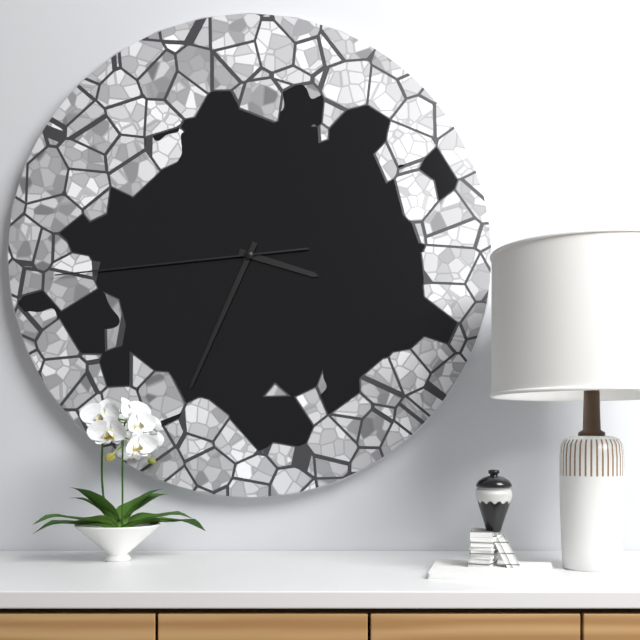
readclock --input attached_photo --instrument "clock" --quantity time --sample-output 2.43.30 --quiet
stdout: 3.34.44
